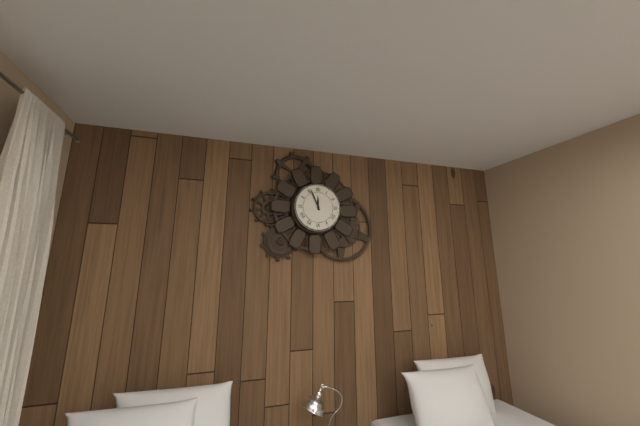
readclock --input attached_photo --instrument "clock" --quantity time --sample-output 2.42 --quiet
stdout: 11.56
